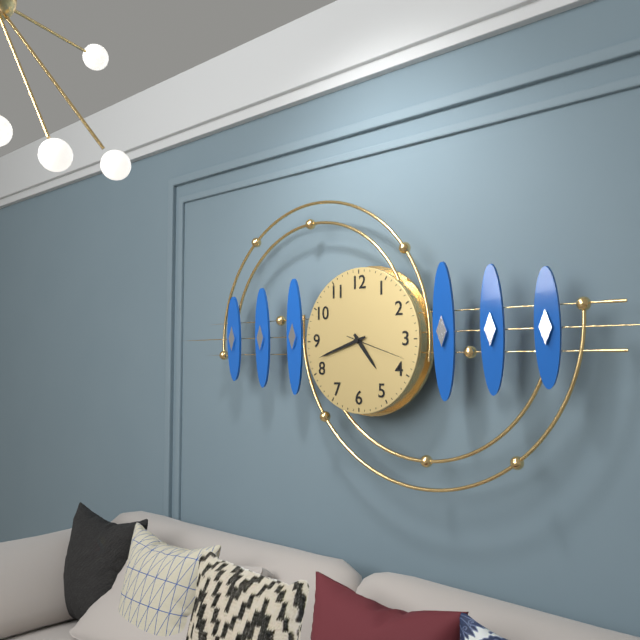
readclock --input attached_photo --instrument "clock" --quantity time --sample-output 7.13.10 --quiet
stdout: 4.42.18
